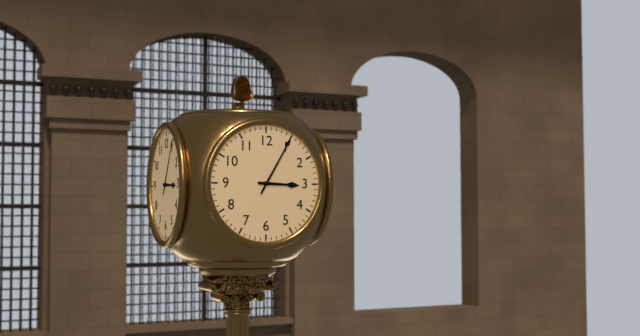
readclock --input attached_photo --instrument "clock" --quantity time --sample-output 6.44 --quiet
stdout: 3.05
